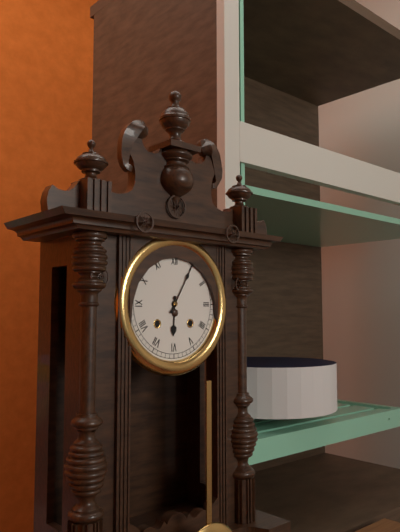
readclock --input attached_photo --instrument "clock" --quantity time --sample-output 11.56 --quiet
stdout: 6.05
